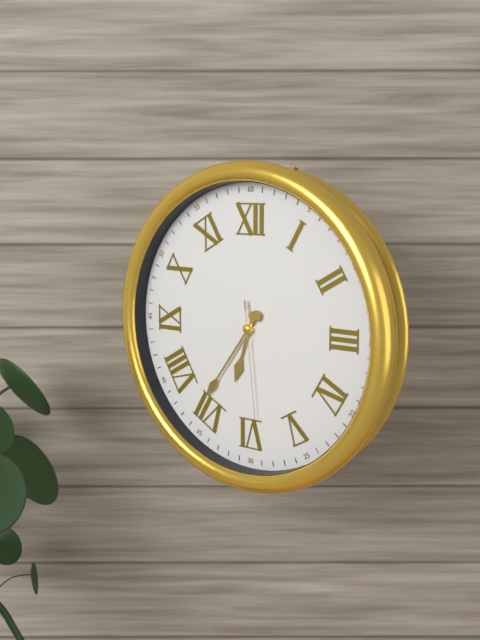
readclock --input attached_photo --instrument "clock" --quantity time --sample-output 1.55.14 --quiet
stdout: 6.36.29
